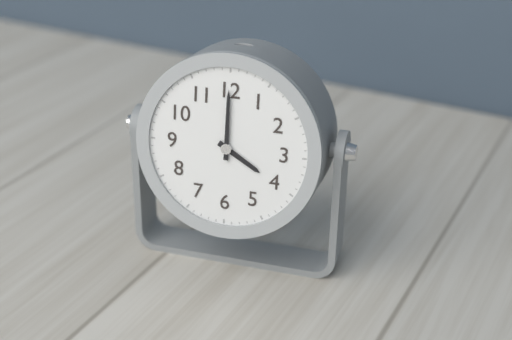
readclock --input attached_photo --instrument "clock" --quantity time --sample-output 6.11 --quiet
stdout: 4.00
